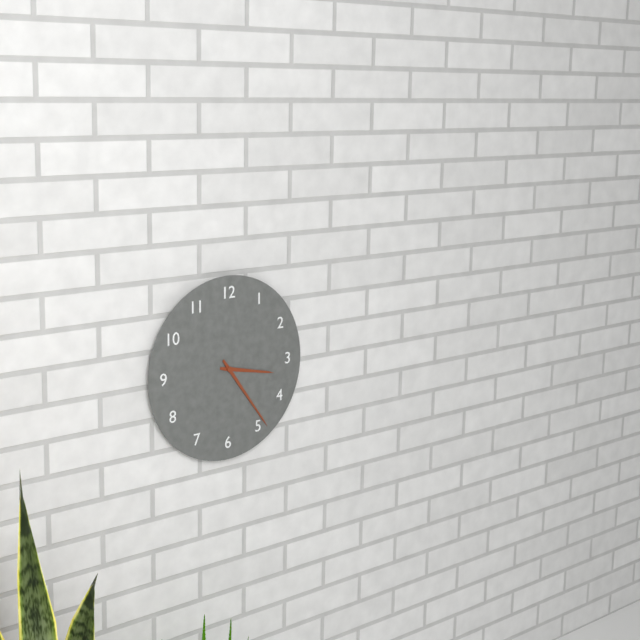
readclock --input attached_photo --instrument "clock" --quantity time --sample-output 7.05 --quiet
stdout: 3.24
